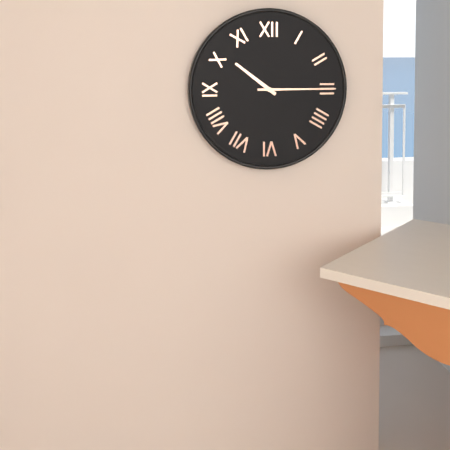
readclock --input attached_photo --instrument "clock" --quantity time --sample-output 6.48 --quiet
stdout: 10.15
